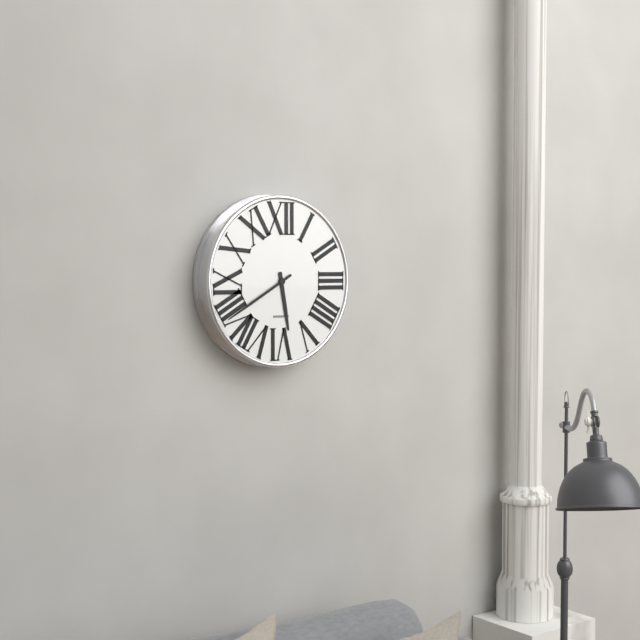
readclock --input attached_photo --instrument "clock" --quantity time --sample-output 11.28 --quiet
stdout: 5.40
